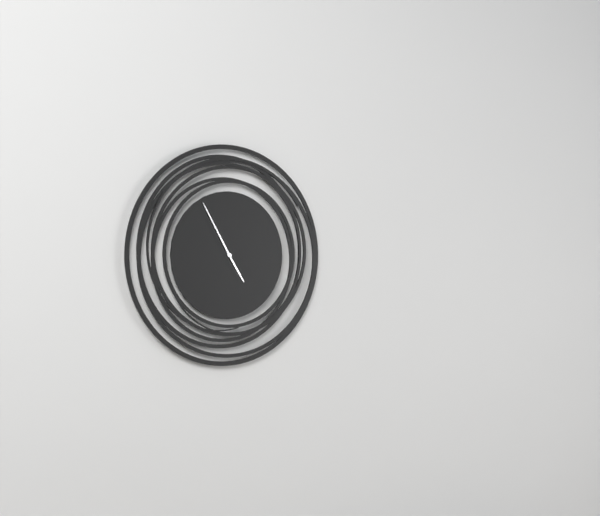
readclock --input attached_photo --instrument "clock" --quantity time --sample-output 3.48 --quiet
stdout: 4.55
